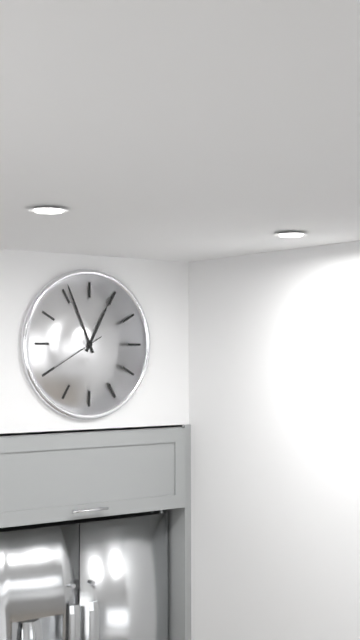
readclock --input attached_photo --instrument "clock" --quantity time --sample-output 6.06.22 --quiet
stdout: 12.56.40
